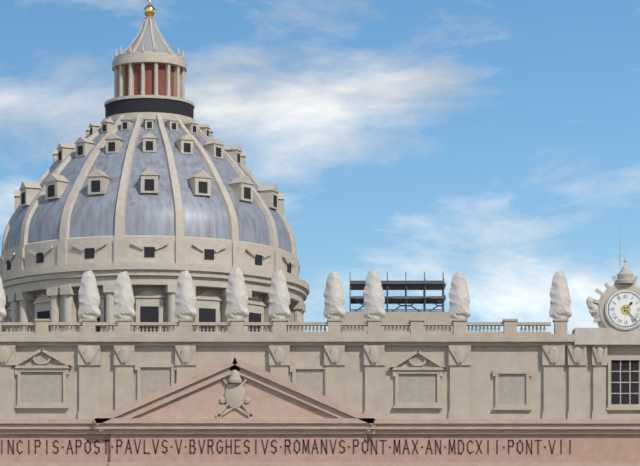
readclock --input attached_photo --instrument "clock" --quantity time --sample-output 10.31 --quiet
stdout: 1.23
